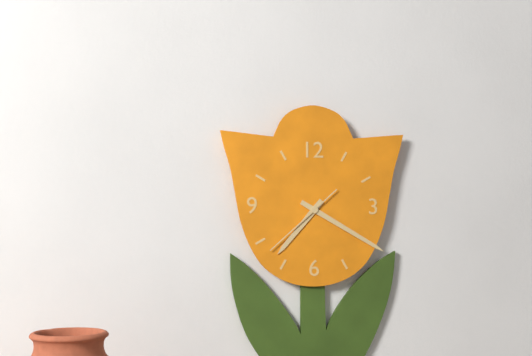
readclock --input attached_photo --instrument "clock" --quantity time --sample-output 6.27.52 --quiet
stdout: 7.20.38
